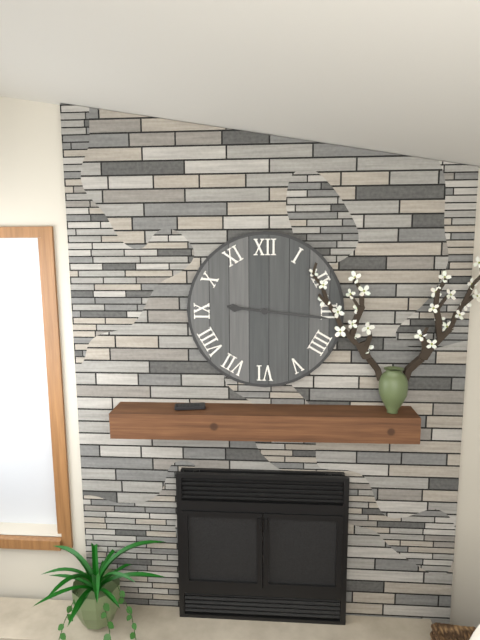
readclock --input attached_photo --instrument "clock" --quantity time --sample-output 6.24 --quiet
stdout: 9.16
